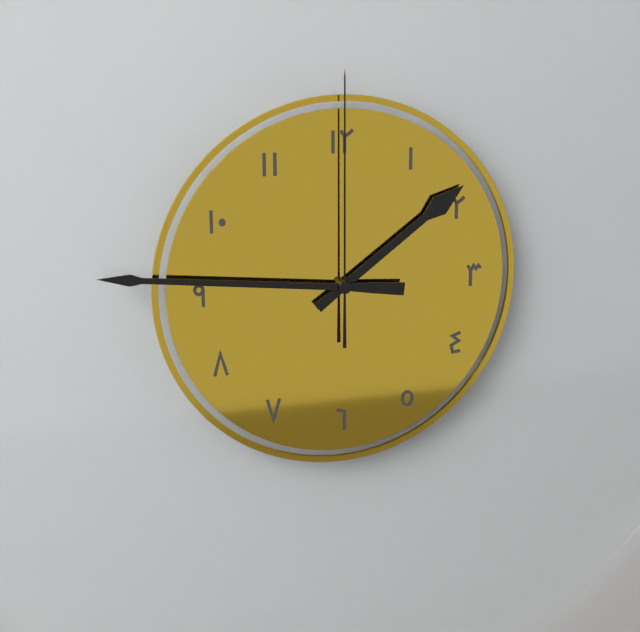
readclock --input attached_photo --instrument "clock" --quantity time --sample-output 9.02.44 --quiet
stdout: 1.46.00
